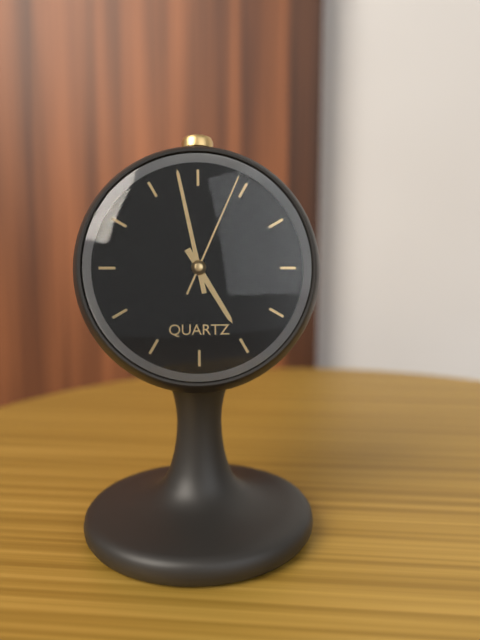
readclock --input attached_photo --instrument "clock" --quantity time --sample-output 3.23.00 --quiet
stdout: 4.58.04
